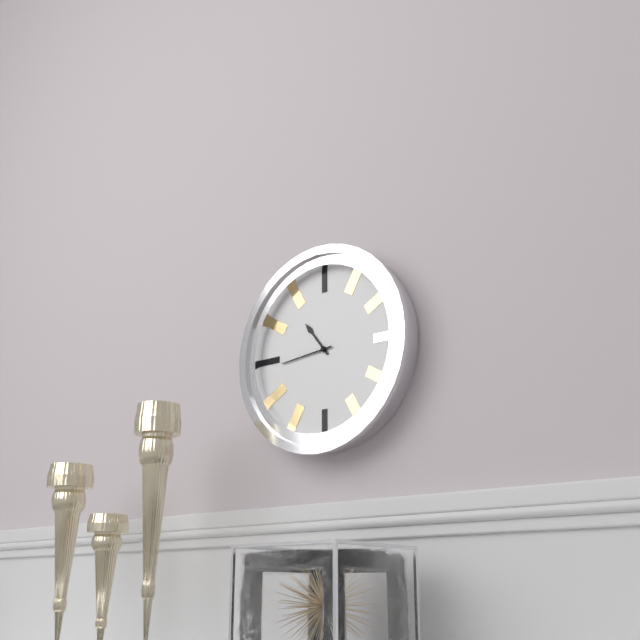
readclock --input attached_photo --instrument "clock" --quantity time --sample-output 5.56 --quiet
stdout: 10.44
